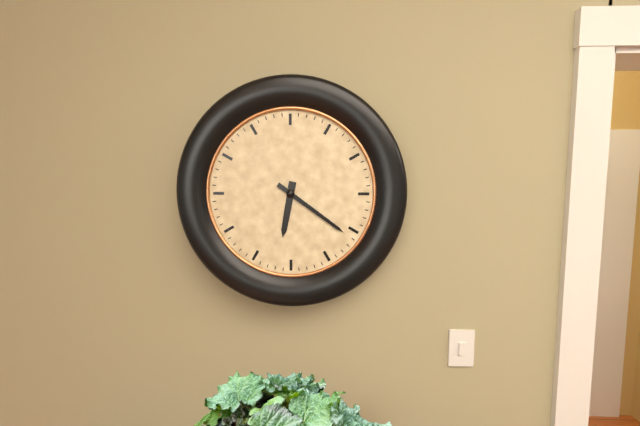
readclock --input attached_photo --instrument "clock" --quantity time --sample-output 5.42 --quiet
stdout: 6.21
